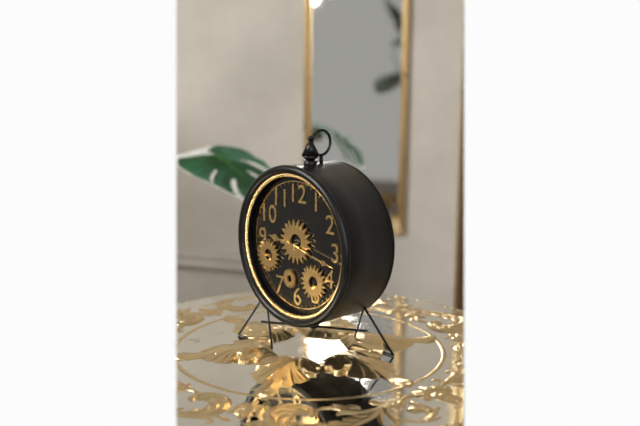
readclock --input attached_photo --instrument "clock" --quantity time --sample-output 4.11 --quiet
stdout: 9.17
